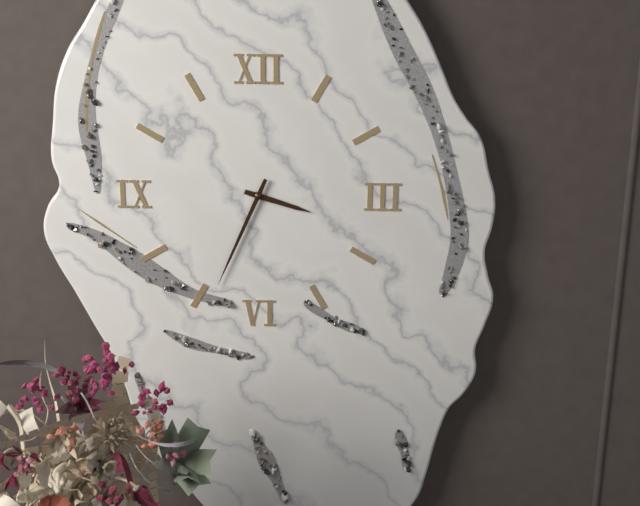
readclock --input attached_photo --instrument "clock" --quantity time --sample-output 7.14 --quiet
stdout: 3.34
